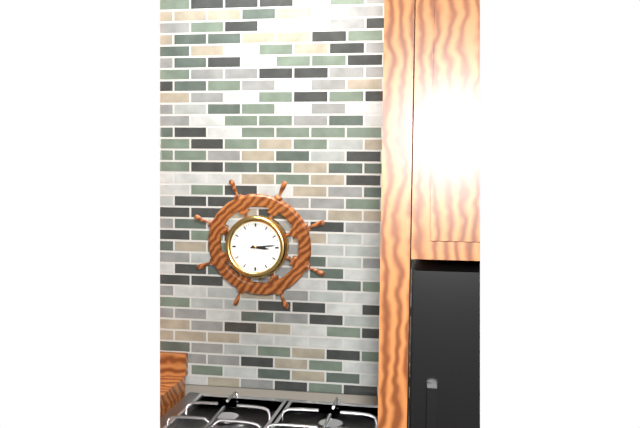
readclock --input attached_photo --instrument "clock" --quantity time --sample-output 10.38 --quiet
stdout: 3.14
